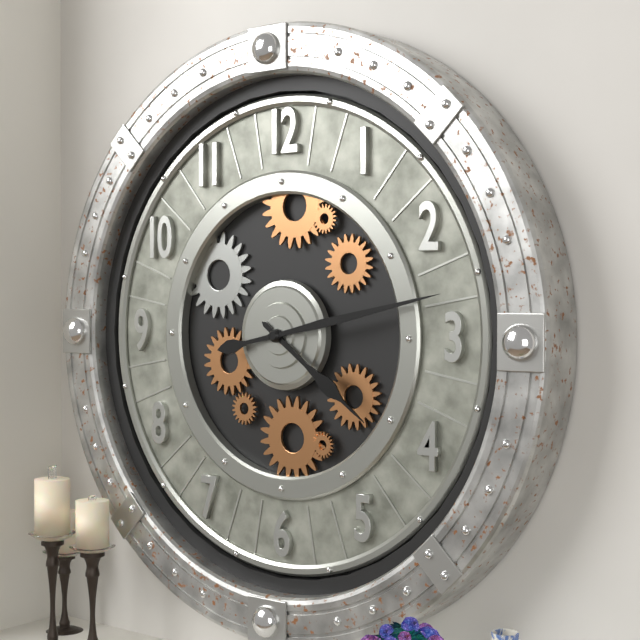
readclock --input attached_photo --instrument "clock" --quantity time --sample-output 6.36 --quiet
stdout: 4.13
